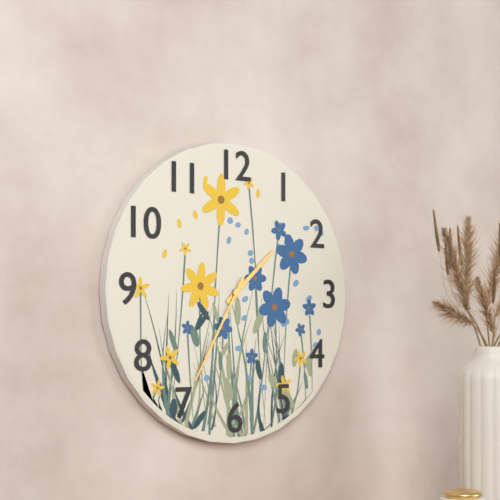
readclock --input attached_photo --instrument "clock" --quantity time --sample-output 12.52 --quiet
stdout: 1.35
